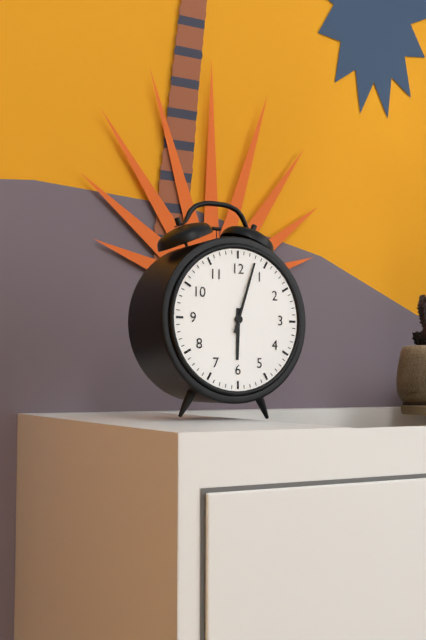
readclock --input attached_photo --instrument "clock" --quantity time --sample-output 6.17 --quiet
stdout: 6.03
